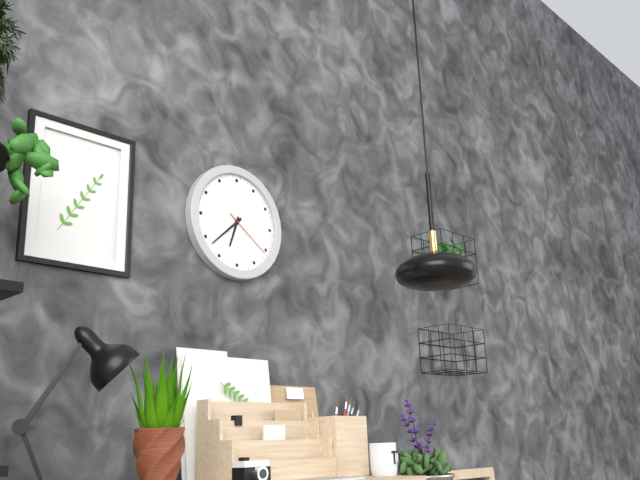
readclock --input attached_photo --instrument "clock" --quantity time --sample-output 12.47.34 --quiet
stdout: 6.38.21
